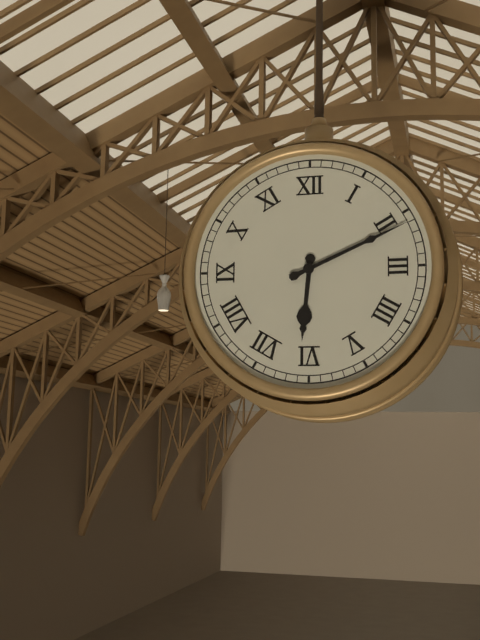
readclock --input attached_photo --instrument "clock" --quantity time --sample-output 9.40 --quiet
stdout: 6.11
